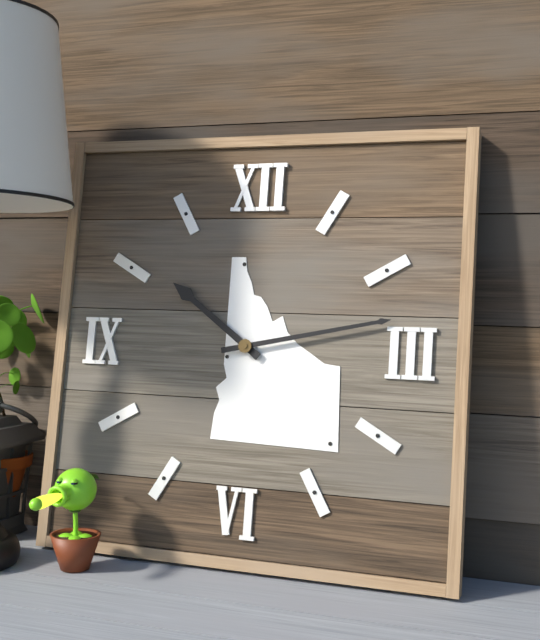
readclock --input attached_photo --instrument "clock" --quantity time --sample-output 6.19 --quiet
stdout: 10.13
